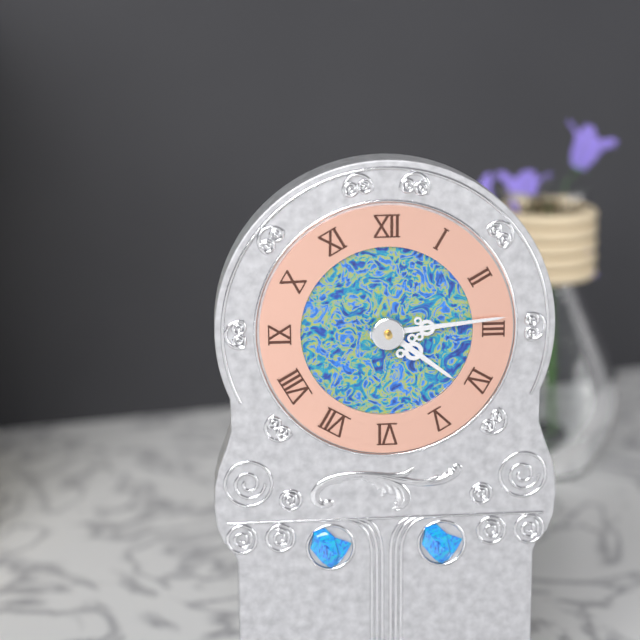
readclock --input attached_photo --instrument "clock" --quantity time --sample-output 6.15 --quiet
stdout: 4.14
